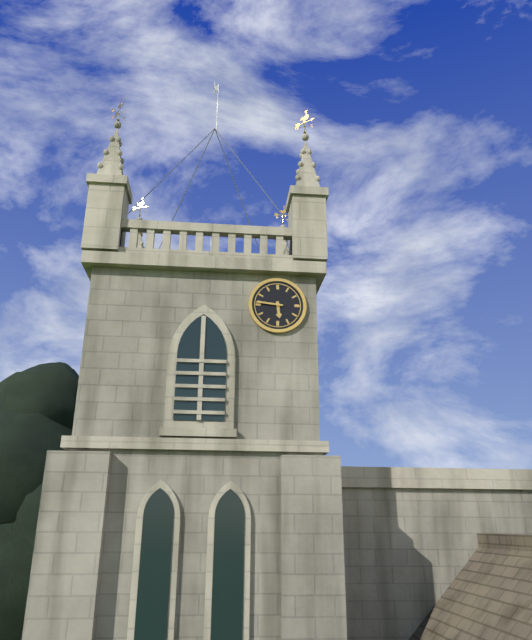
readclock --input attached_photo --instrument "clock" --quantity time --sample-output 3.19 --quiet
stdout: 5.46
